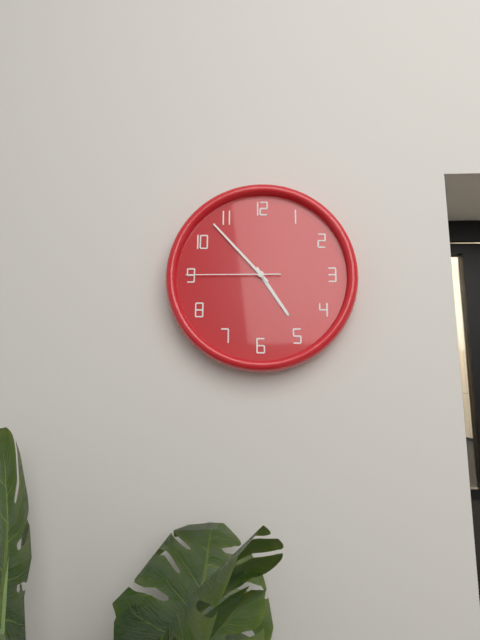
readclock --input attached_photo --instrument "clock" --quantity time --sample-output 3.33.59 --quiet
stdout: 4.53.45
